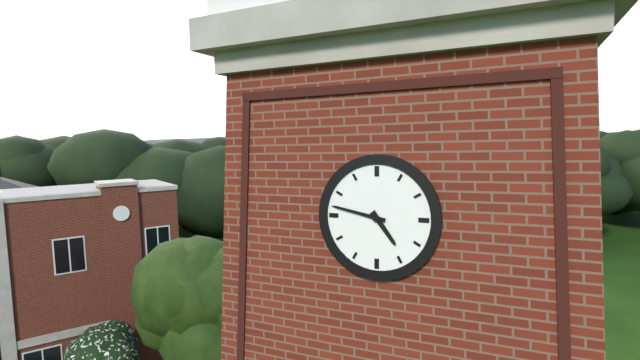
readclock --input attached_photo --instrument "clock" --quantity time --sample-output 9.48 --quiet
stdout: 4.47
